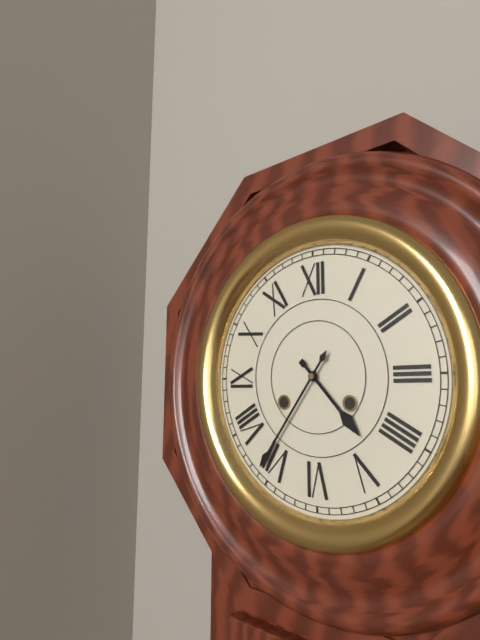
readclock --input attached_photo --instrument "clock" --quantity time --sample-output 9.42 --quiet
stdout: 4.36
